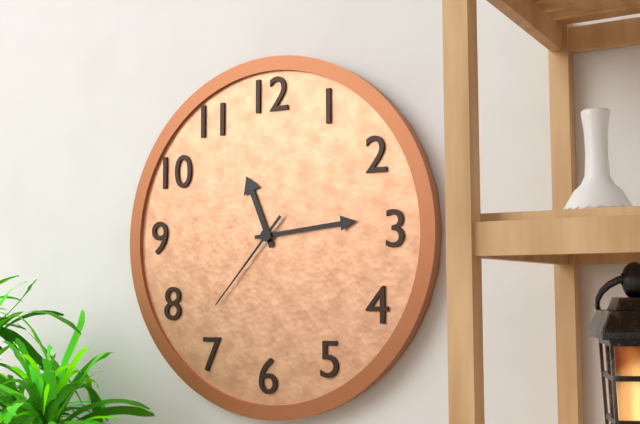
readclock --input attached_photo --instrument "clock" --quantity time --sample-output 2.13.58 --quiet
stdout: 11.14.37
